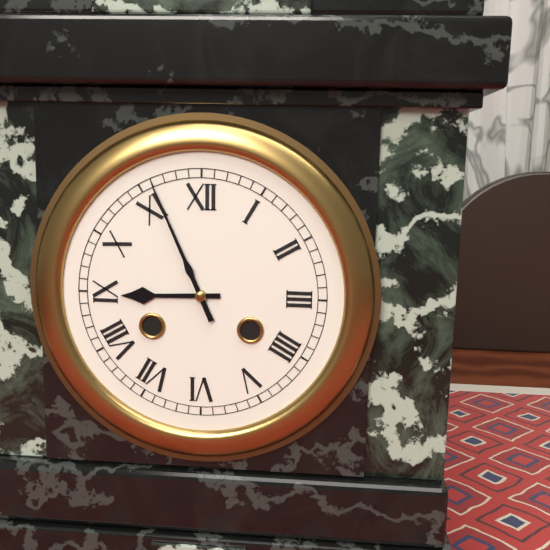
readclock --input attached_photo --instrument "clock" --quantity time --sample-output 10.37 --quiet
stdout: 8.56
